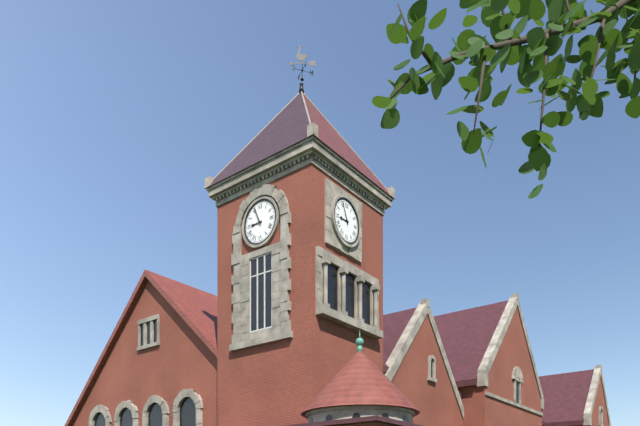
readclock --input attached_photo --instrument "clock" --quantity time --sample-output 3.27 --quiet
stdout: 8.56
